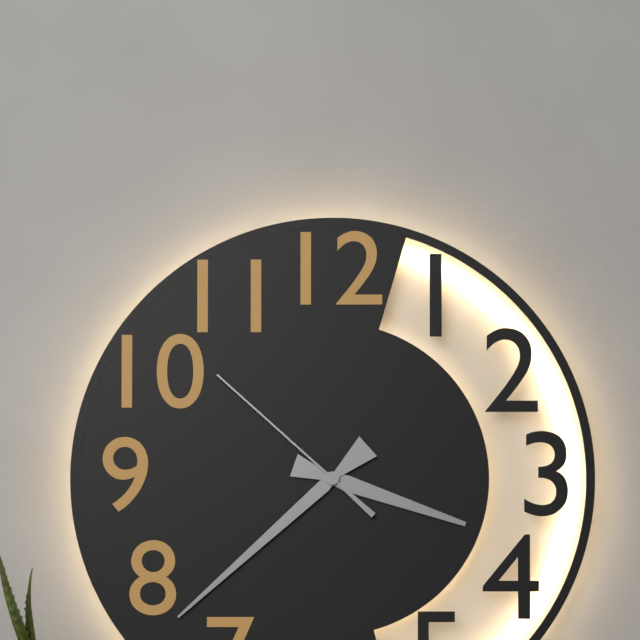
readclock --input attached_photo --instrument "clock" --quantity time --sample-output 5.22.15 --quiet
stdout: 3.38.52
